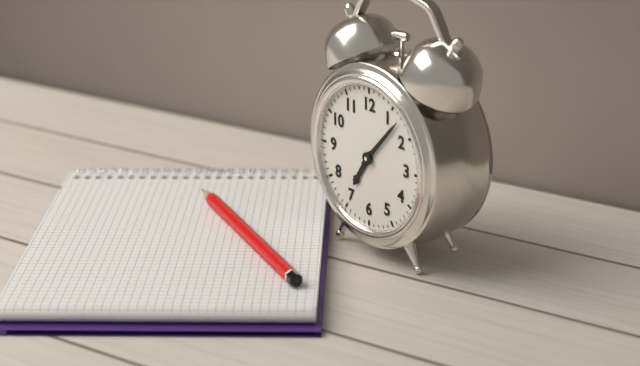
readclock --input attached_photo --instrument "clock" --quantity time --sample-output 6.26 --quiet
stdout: 7.07
